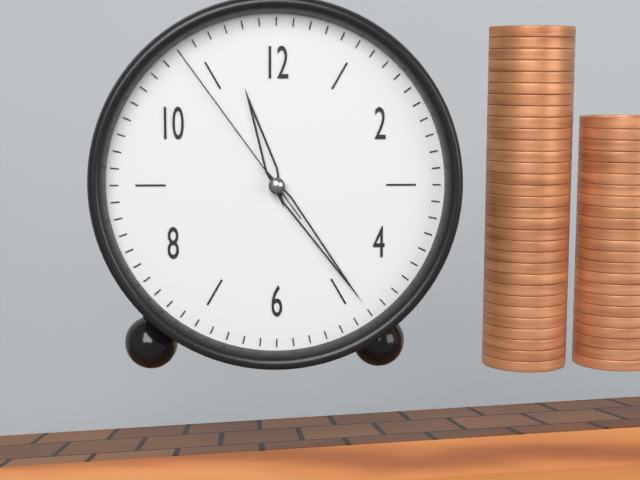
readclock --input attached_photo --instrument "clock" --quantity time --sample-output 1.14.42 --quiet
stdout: 11.24.54
